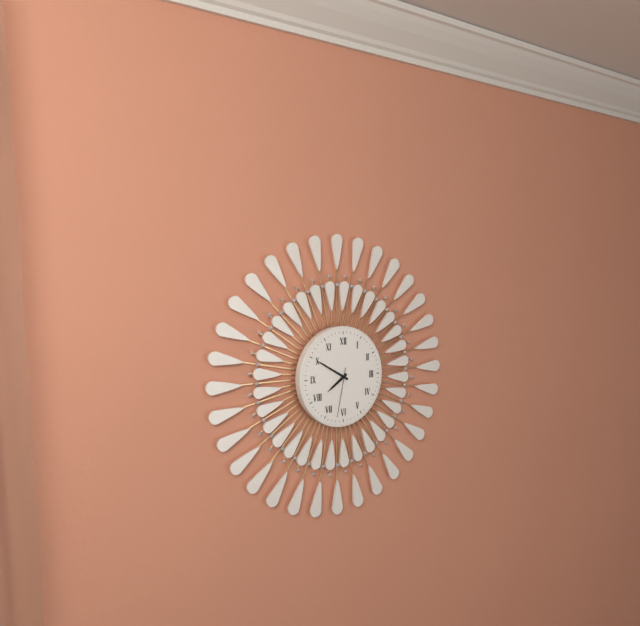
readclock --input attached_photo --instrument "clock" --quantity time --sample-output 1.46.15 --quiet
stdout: 7.50.32
